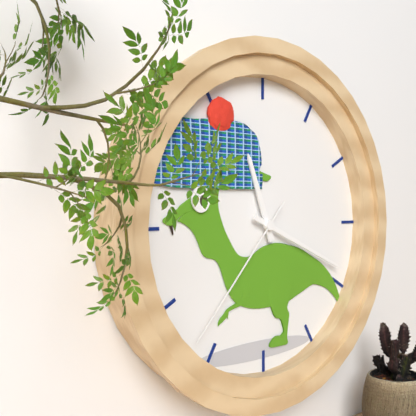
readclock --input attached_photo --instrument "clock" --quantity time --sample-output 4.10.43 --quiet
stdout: 11.19.37
